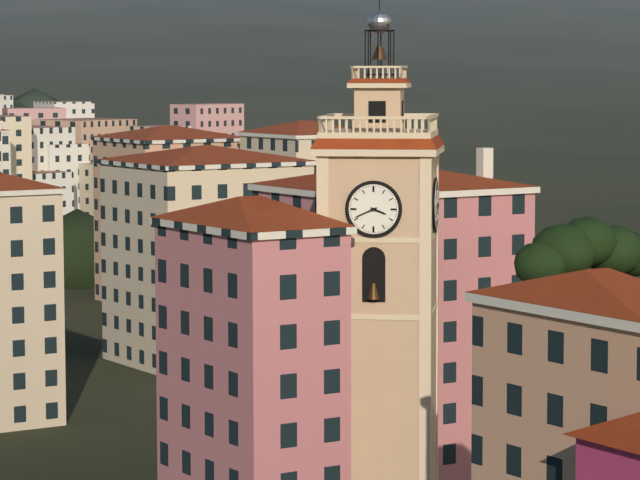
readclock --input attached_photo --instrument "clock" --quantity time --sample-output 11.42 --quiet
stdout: 3.41
